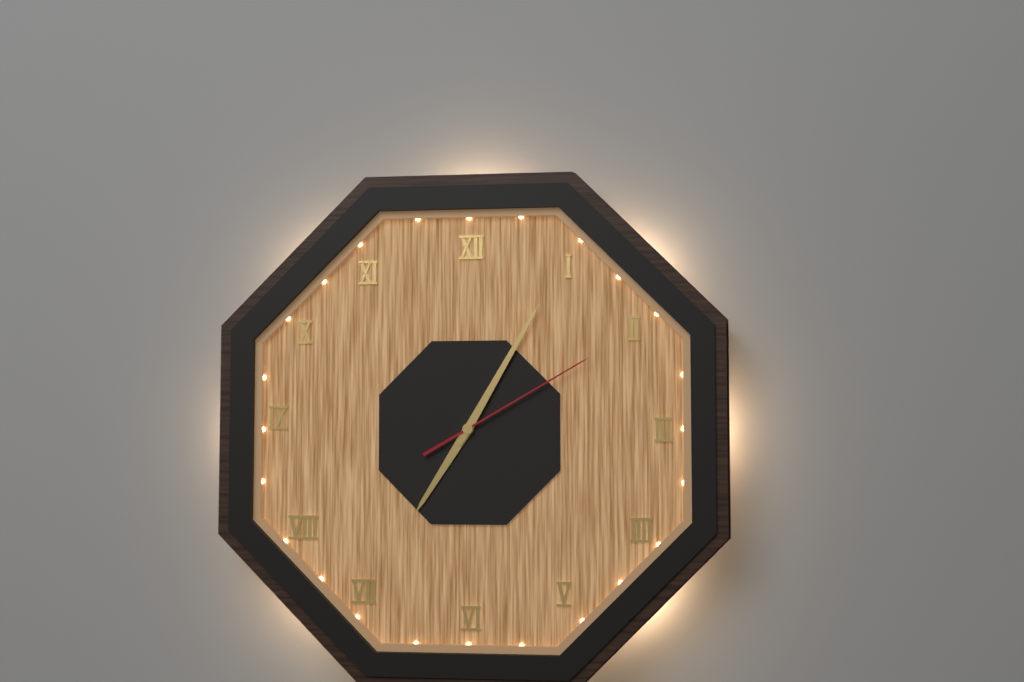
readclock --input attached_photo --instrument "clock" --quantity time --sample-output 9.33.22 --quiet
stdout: 7.05.10
